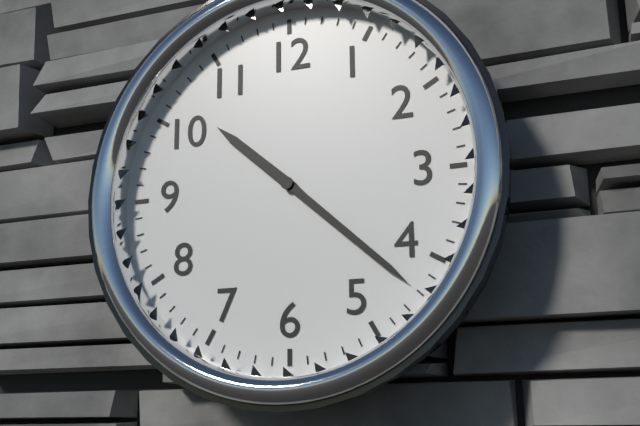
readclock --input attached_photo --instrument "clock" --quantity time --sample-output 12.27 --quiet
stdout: 10.22
